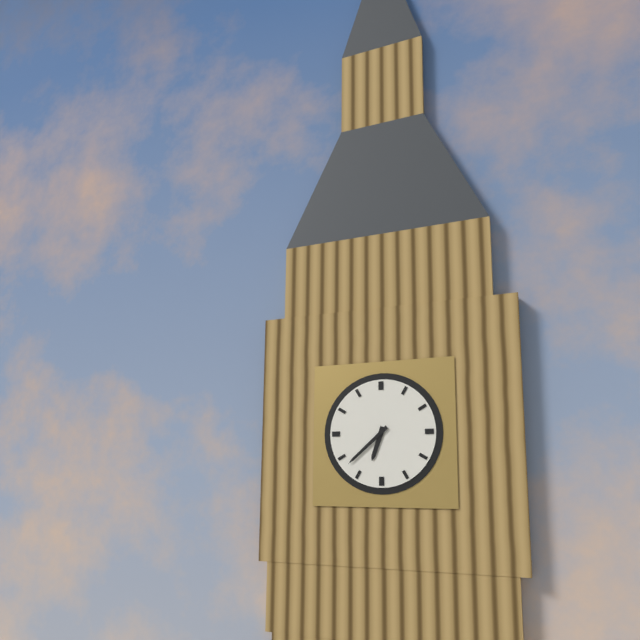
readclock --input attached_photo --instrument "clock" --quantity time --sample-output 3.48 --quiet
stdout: 6.38
